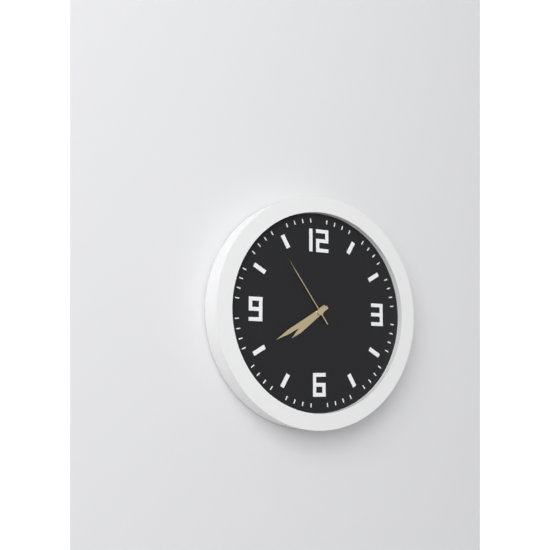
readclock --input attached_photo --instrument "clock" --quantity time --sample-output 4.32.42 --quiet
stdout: 7.40.54
